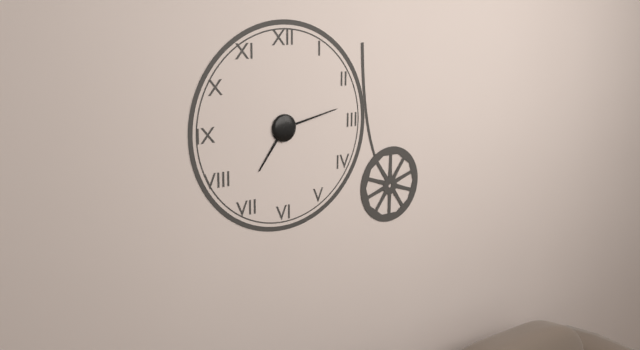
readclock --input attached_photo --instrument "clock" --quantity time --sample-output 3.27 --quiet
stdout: 7.13
